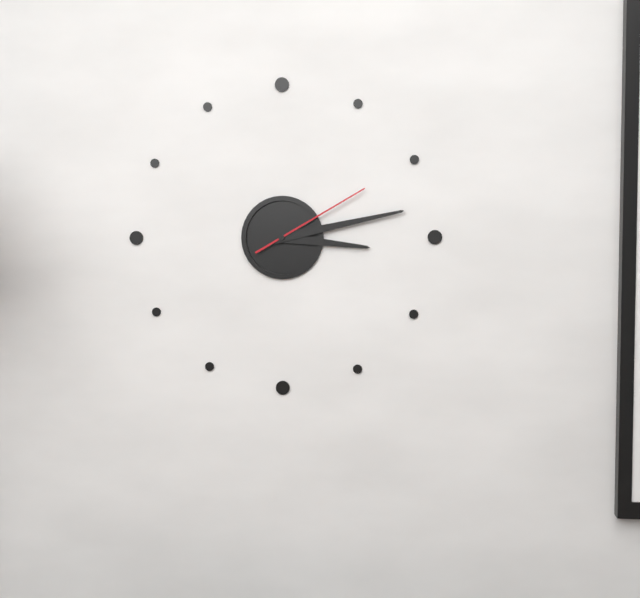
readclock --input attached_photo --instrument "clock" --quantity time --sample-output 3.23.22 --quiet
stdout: 3.13.10
